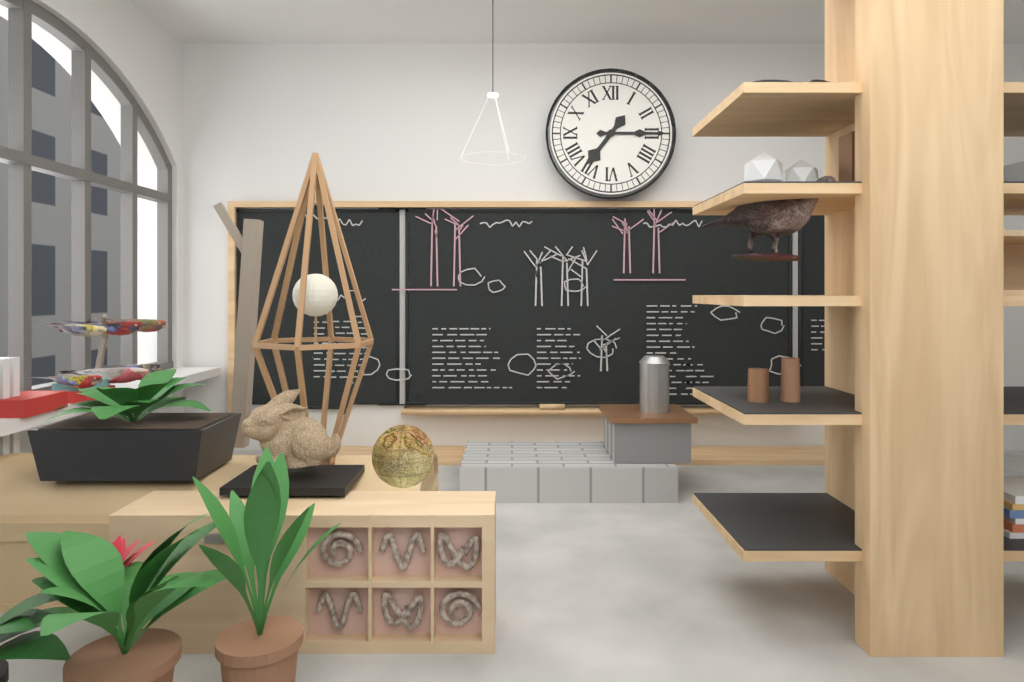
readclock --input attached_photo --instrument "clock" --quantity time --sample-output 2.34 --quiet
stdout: 7.15
